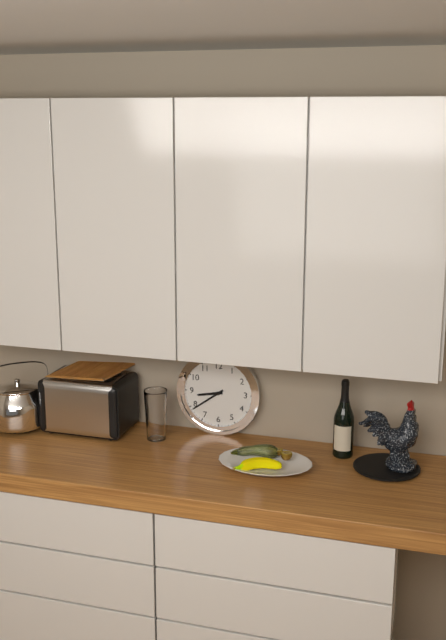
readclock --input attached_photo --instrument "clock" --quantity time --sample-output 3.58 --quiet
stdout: 8.39
